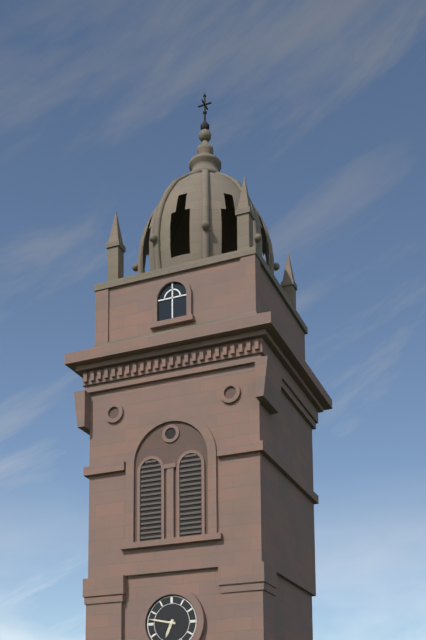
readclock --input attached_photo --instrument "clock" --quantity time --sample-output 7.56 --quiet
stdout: 6.47
